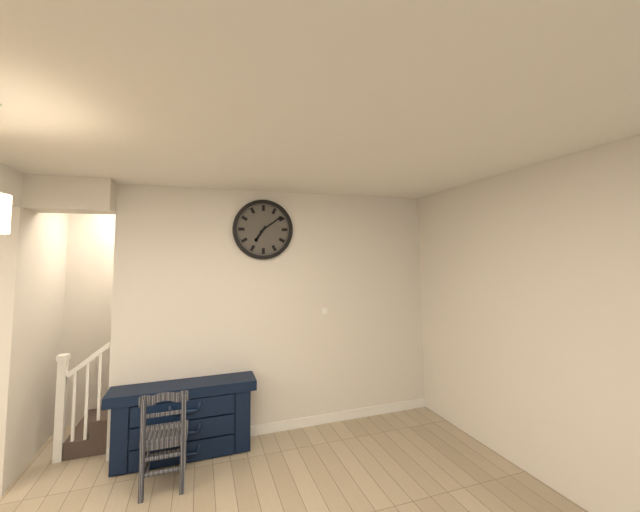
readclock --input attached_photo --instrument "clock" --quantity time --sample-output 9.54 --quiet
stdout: 7.09
